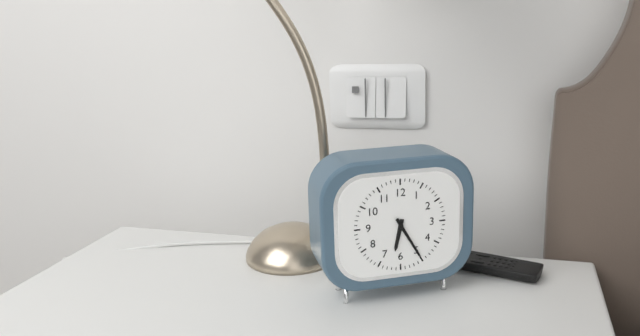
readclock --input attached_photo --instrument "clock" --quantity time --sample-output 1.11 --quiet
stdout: 6.25
